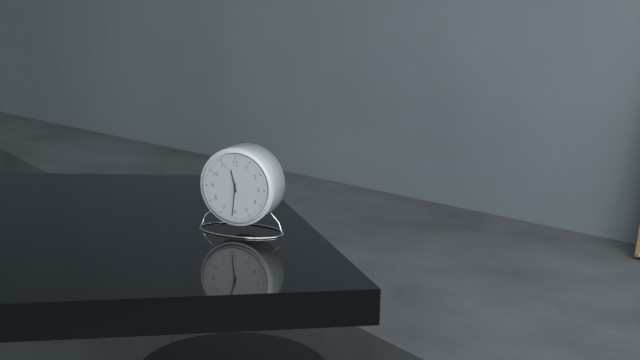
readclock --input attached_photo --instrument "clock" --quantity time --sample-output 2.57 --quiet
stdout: 11.31
